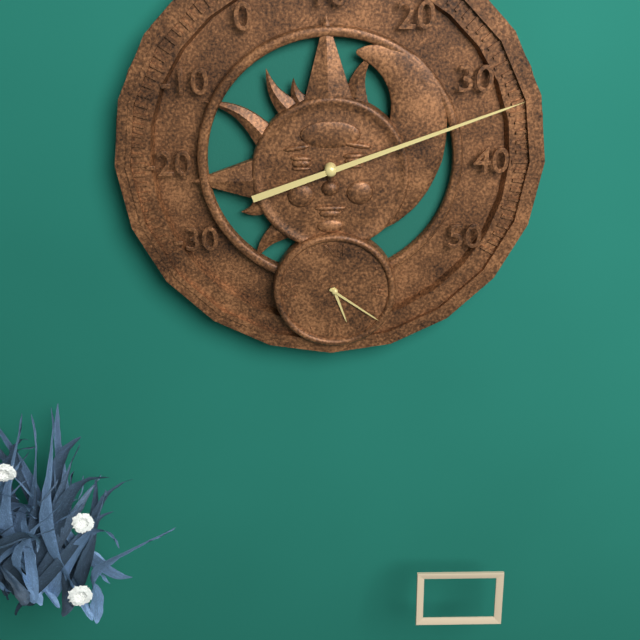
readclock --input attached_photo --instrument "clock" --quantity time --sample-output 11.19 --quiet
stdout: 5.21
